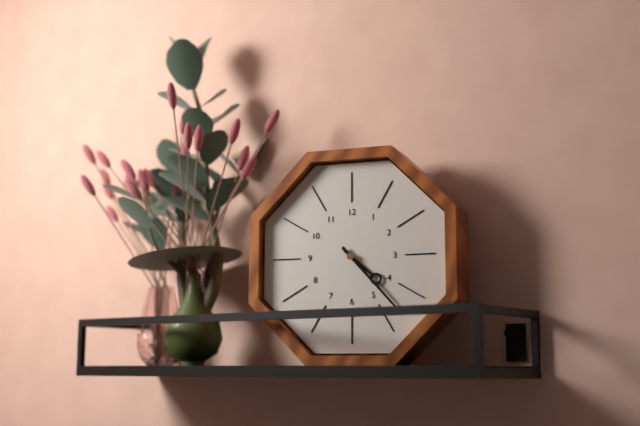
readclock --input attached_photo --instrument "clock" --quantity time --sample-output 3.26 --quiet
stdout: 4.23
